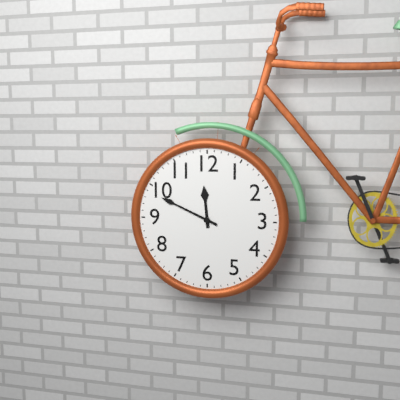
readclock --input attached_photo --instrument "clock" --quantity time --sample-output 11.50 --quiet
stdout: 11.49
